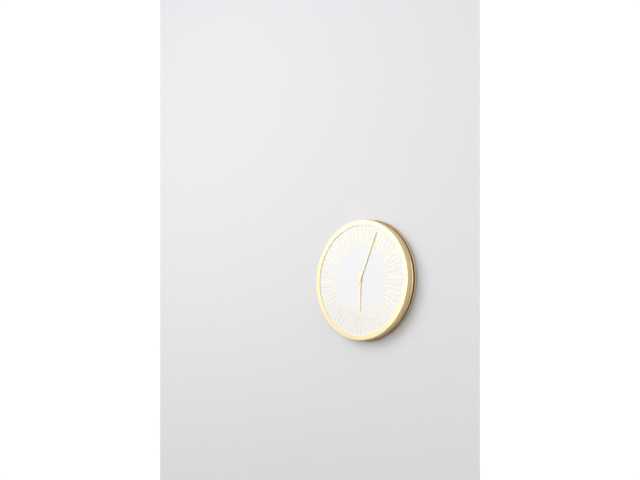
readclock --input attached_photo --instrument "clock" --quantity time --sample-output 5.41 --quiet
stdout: 6.04
